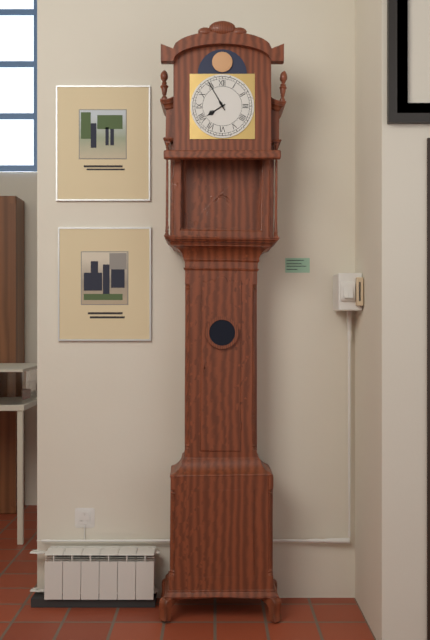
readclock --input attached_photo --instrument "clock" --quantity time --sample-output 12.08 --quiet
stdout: 7.55
